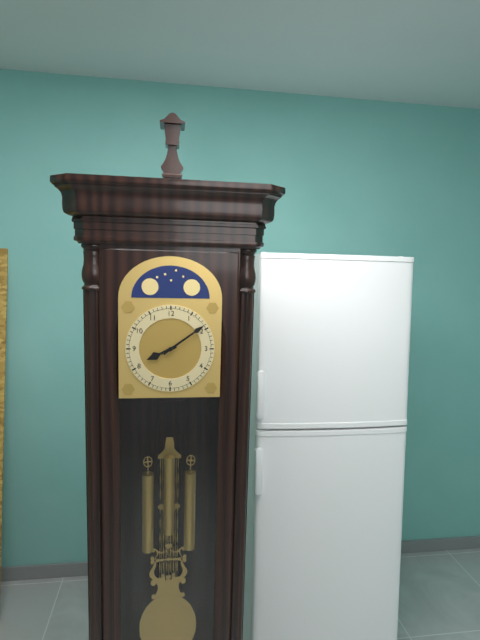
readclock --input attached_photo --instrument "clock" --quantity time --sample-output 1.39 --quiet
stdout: 8.09
